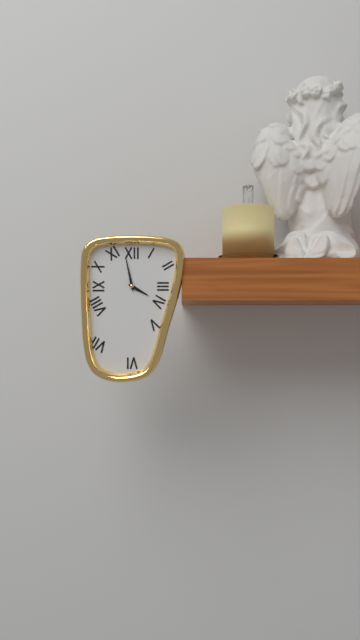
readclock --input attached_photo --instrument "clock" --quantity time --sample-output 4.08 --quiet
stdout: 3.58
